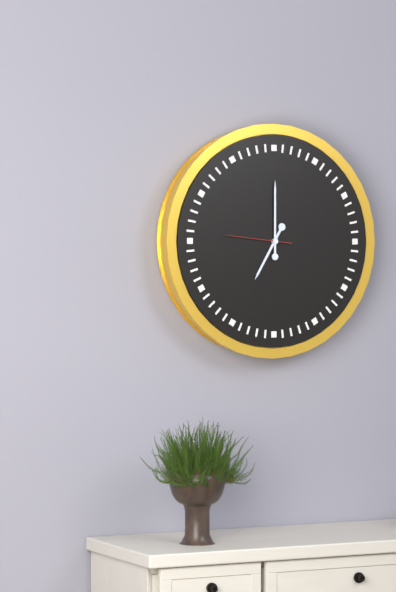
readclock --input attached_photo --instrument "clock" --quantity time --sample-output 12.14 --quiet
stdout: 7.00
